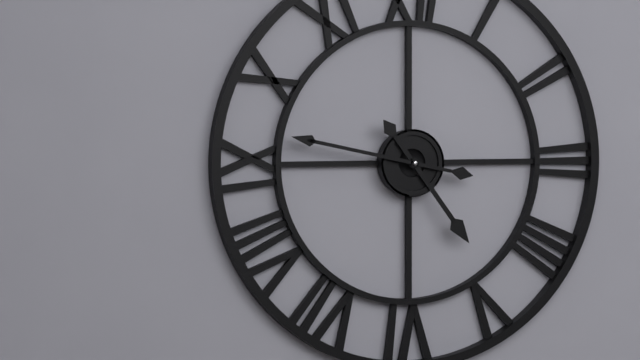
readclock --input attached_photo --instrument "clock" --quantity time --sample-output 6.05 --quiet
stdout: 4.47
